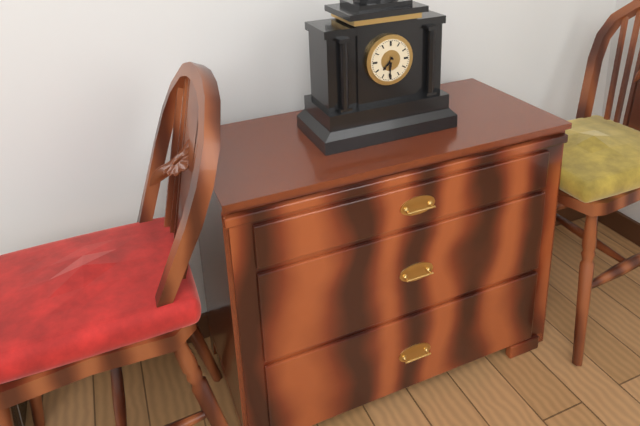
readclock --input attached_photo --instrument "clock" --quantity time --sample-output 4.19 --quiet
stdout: 7.31
